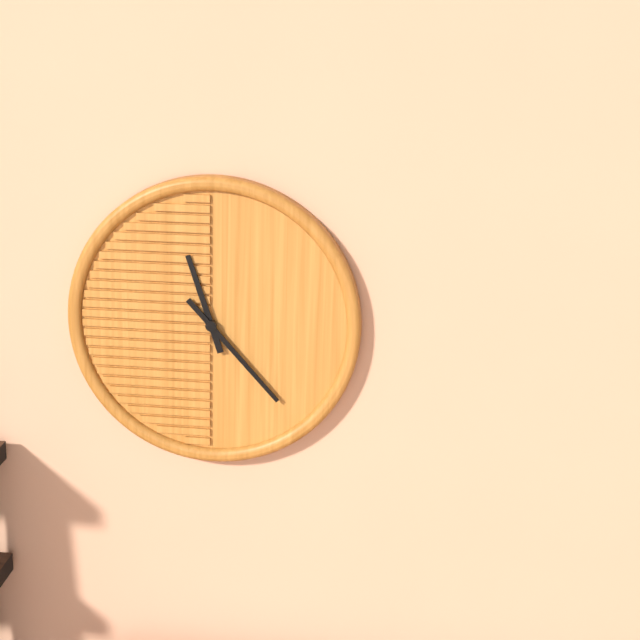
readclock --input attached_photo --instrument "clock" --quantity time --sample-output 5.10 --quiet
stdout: 11.23
